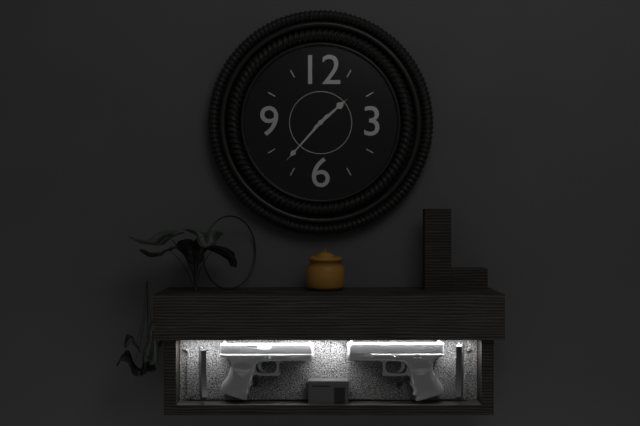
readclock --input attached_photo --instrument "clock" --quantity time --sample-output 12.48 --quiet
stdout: 1.37
